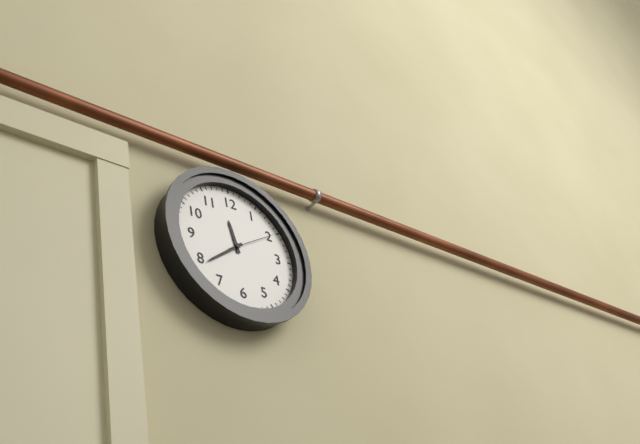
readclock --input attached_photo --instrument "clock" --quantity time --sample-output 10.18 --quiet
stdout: 11.39
